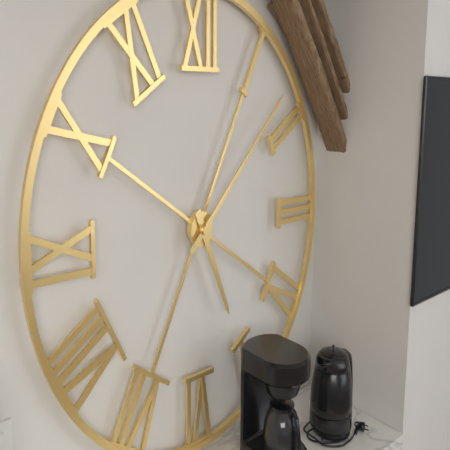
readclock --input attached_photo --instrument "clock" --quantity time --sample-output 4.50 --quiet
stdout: 5.08
